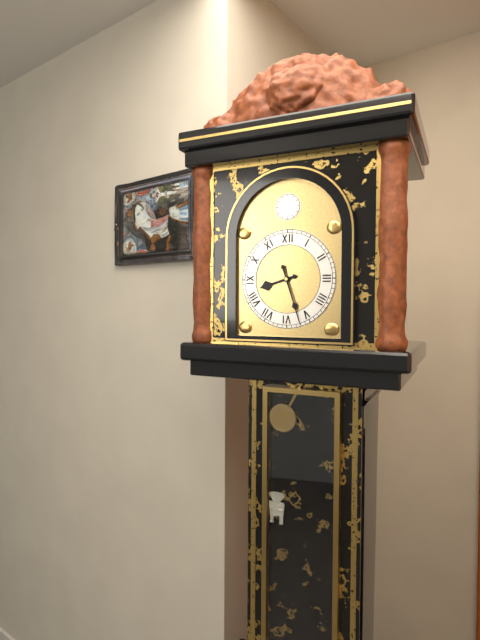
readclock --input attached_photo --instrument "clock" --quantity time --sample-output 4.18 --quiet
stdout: 8.27
